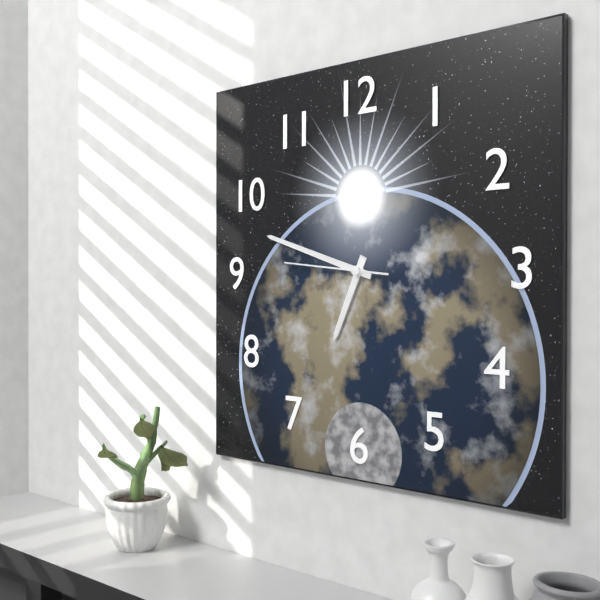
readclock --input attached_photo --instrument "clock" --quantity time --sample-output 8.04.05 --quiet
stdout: 6.48.46
